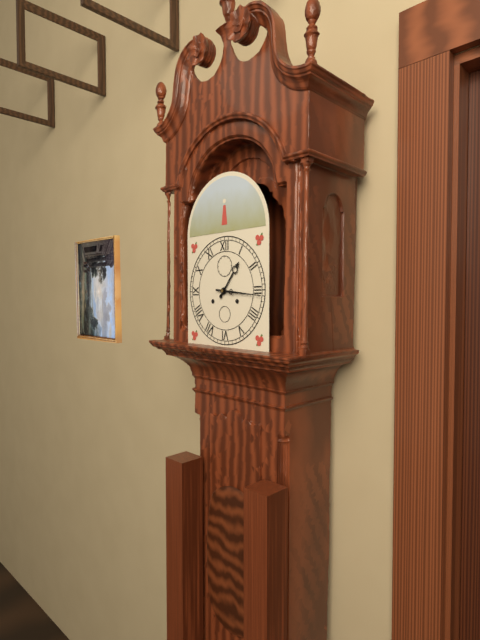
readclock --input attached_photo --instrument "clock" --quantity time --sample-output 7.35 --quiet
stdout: 1.16
